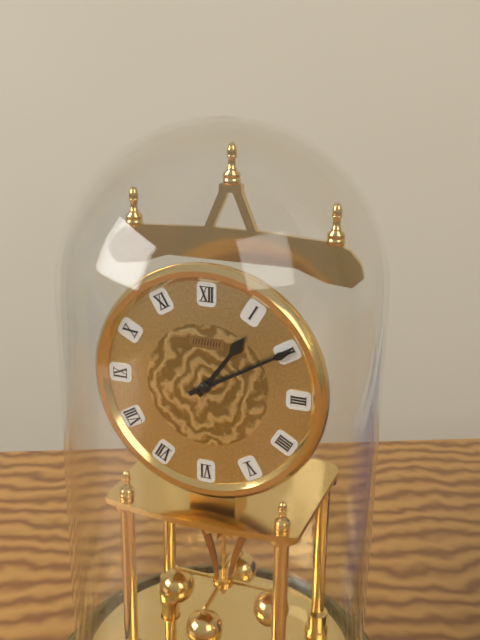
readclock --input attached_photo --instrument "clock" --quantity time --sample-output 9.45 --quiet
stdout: 1.10
